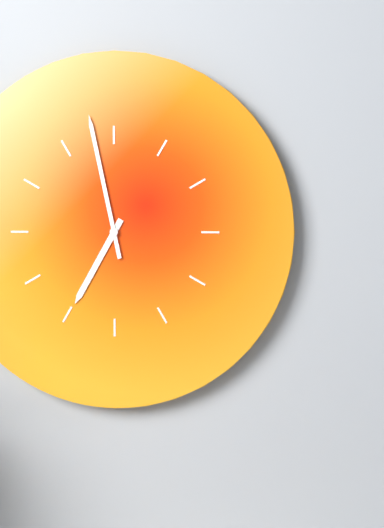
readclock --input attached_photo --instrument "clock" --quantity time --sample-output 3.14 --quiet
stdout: 6.58
